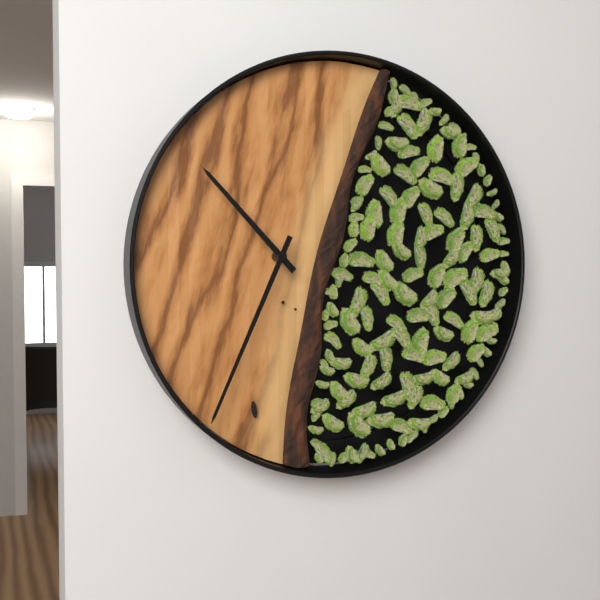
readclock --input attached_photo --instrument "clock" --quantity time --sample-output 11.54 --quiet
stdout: 10.34
